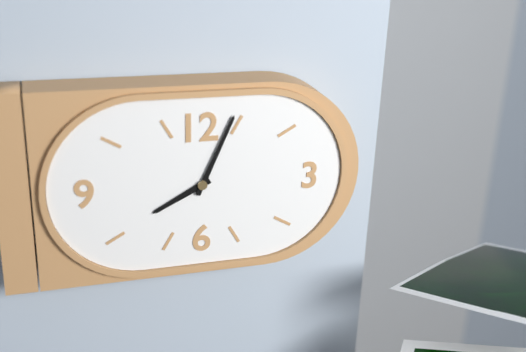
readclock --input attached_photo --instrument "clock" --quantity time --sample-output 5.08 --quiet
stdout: 8.04
